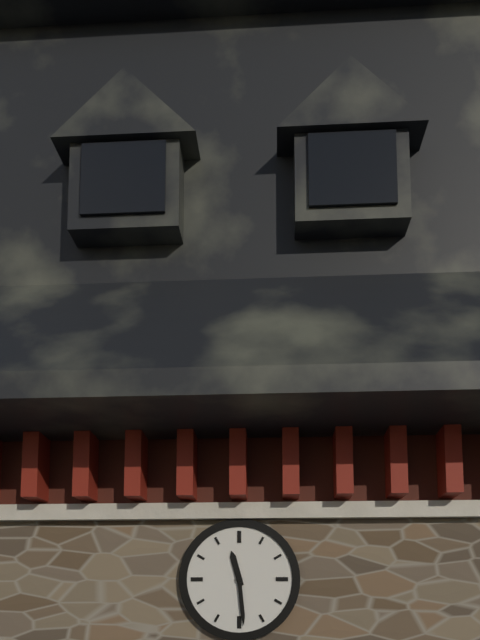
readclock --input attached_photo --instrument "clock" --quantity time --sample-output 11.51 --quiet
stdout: 11.29
